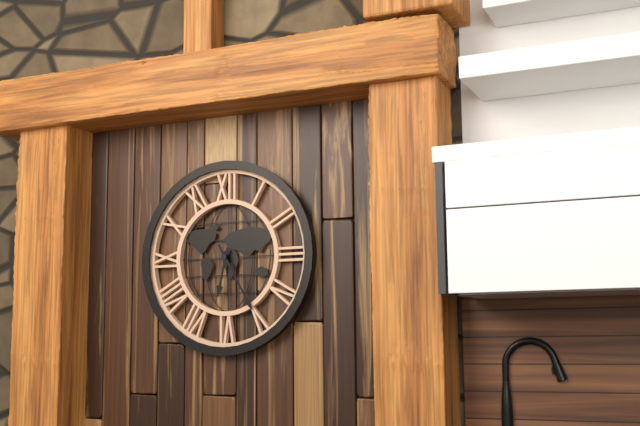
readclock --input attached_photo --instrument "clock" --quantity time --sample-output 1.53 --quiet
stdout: 6.25
